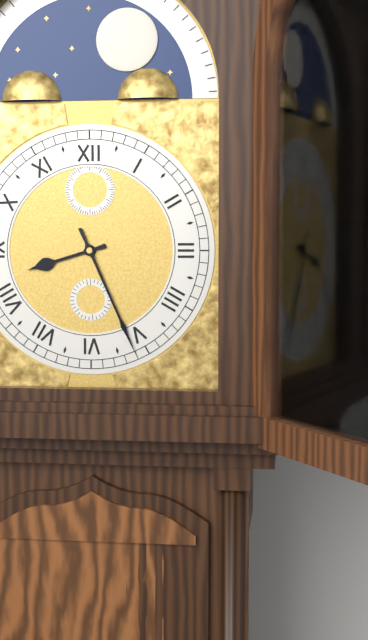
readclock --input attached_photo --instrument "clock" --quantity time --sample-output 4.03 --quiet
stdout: 8.26
